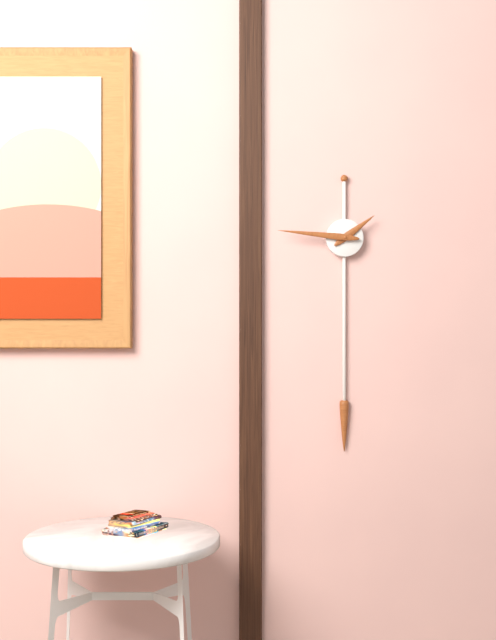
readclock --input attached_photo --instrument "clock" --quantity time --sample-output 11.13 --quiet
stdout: 1.46
